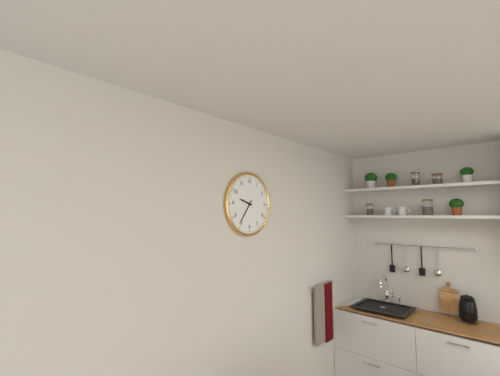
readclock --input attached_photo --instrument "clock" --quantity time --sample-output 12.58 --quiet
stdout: 9.36
